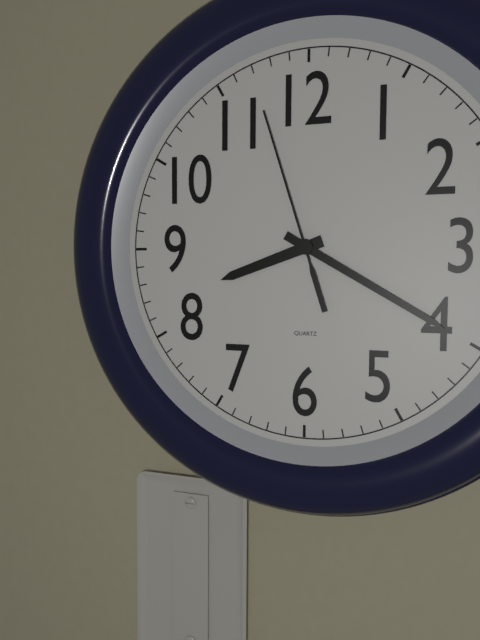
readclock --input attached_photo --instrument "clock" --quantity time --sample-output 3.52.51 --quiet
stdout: 8.20.57
